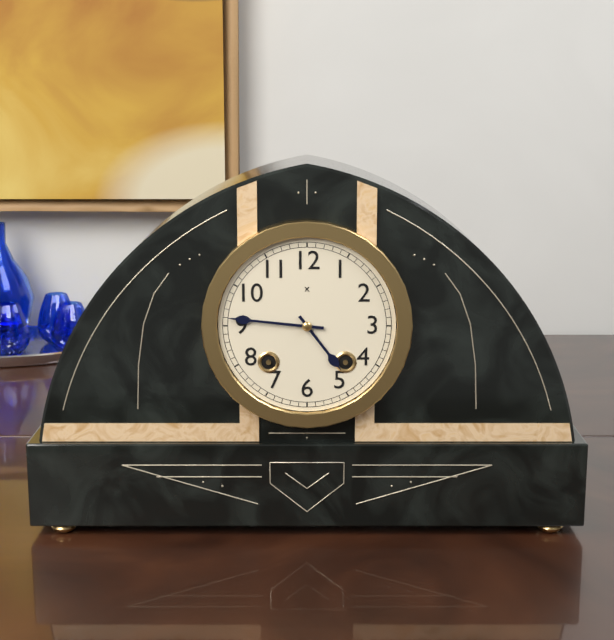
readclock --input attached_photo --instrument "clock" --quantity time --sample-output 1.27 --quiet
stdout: 4.46
